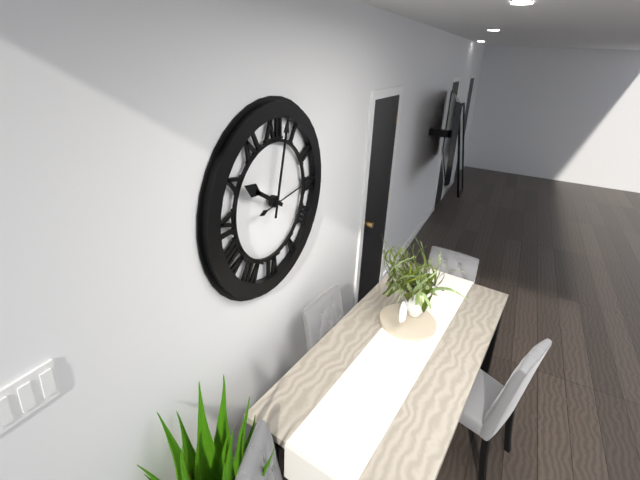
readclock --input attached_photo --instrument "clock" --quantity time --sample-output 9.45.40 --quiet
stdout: 10.02.14
